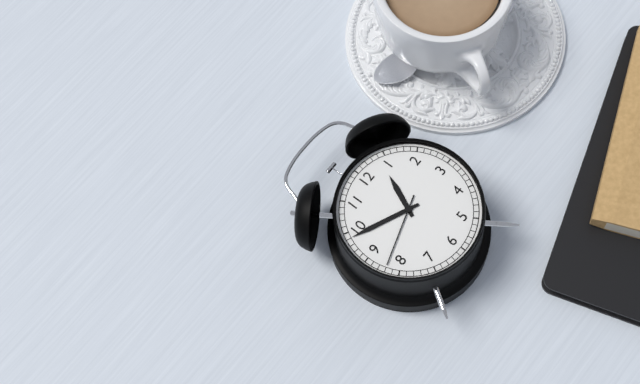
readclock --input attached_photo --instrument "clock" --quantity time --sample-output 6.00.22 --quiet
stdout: 12.49.42
